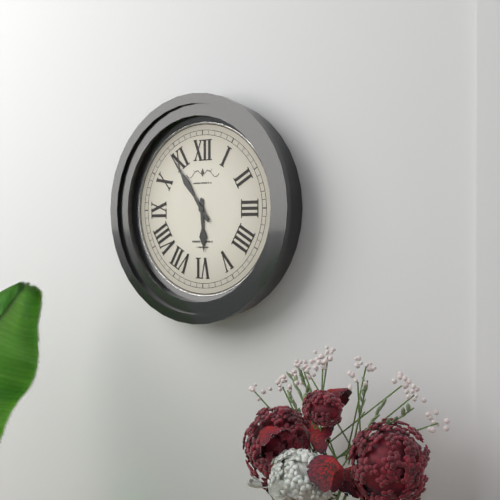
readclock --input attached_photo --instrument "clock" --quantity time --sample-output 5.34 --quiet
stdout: 5.54
